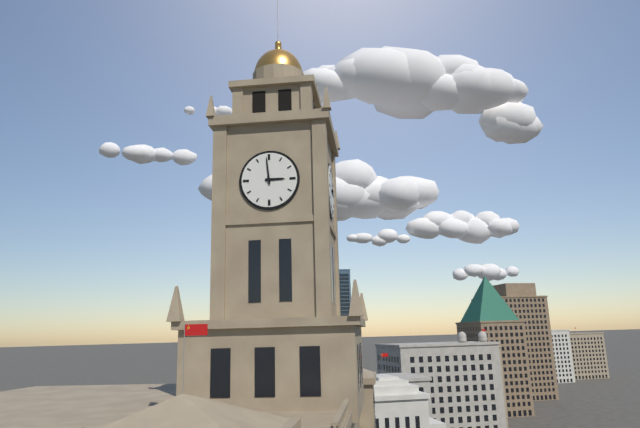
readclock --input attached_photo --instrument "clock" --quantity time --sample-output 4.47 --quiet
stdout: 2.59
